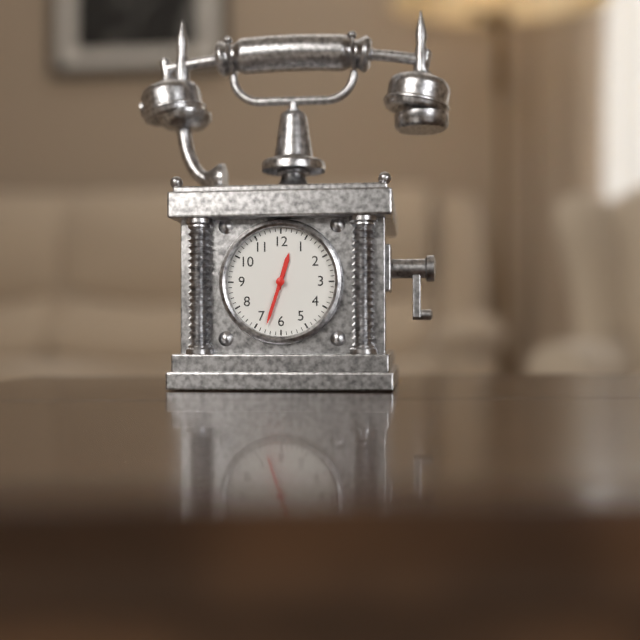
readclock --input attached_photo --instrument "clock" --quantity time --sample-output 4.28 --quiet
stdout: 12.33
